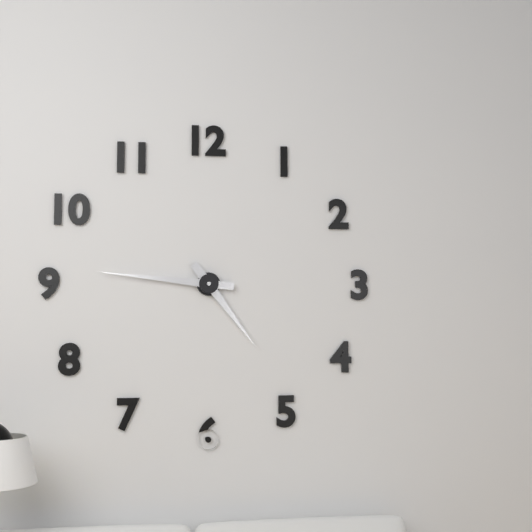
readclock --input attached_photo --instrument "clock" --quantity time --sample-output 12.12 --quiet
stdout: 4.46
